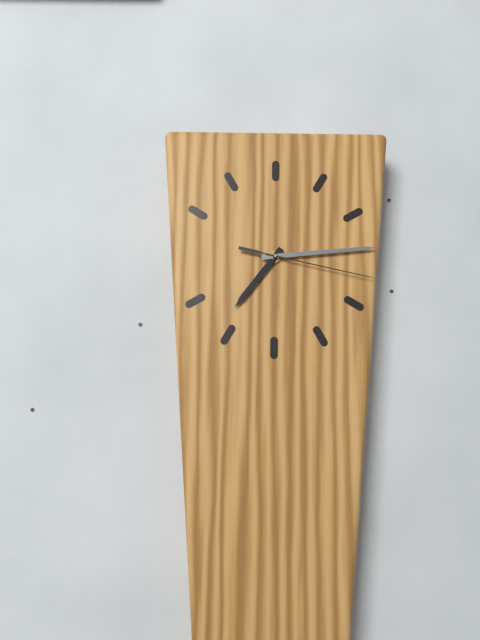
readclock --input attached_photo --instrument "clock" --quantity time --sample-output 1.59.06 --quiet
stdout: 7.14.17
